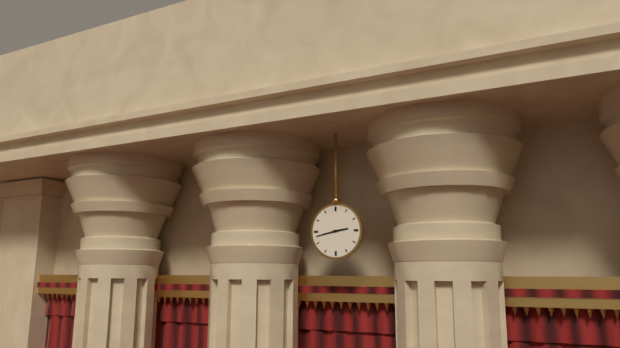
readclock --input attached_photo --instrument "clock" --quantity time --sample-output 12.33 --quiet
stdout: 2.43
